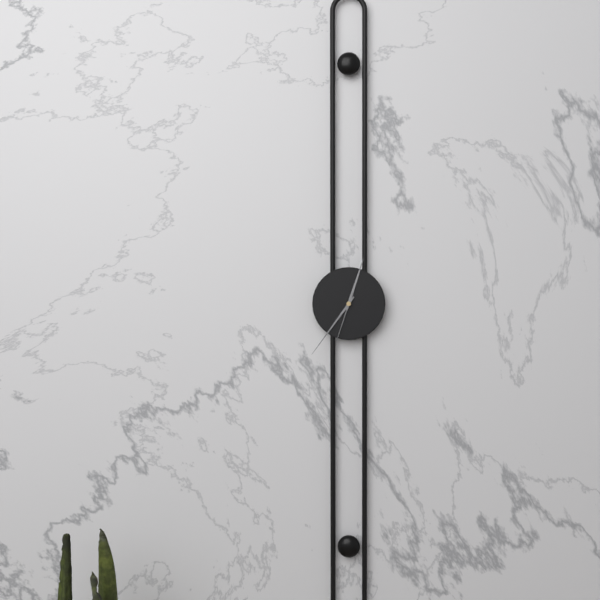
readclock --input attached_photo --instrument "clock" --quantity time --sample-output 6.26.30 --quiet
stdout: 12.36.33
